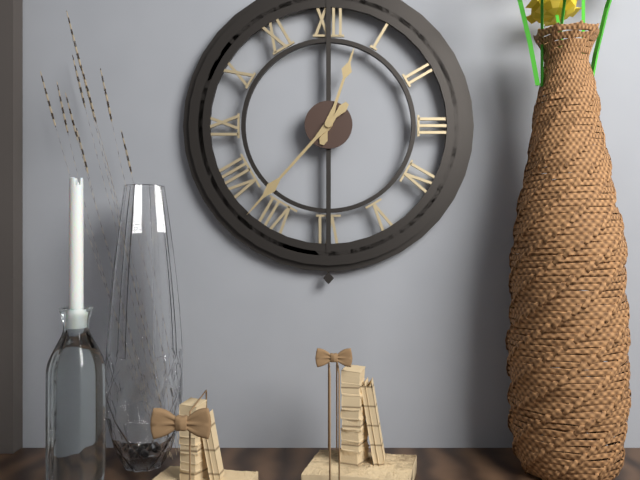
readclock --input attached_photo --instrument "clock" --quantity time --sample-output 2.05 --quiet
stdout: 12.37
